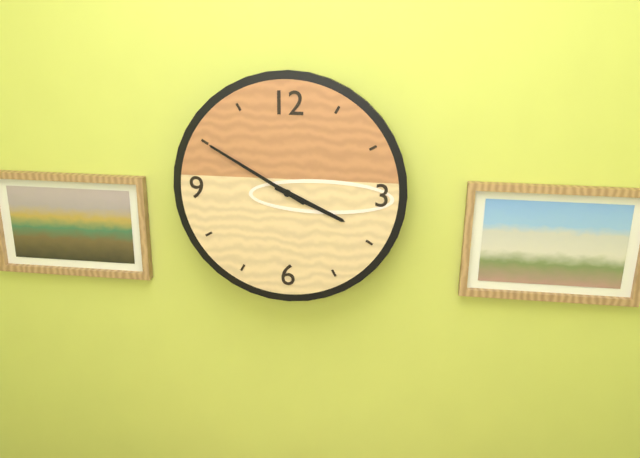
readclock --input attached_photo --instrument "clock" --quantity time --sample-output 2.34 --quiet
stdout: 3.50
